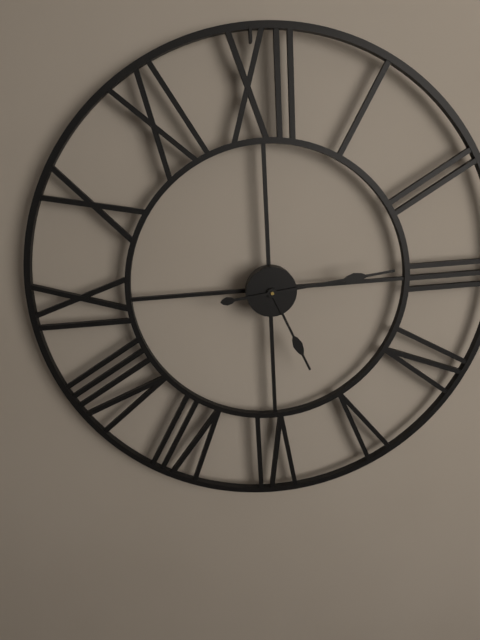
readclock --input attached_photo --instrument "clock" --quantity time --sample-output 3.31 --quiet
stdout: 5.14
